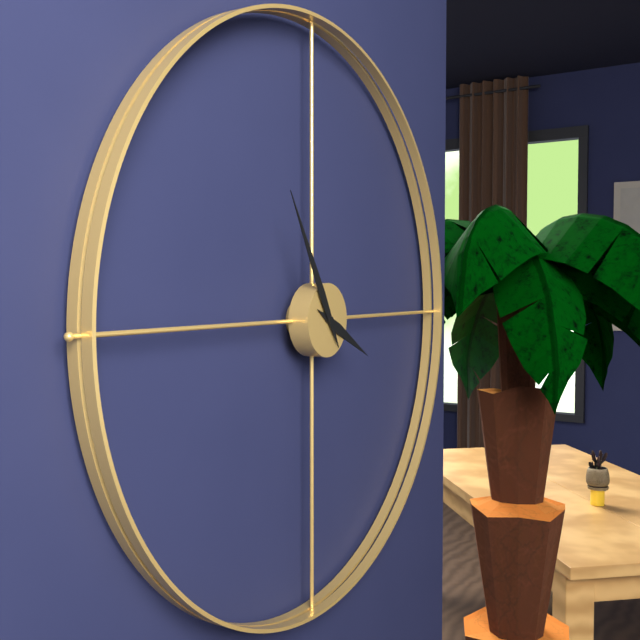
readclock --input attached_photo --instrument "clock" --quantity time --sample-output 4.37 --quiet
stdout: 3.55
